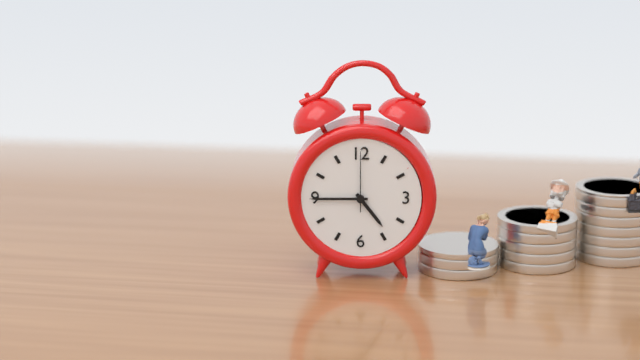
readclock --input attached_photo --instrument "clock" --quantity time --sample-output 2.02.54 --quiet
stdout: 4.45.00
